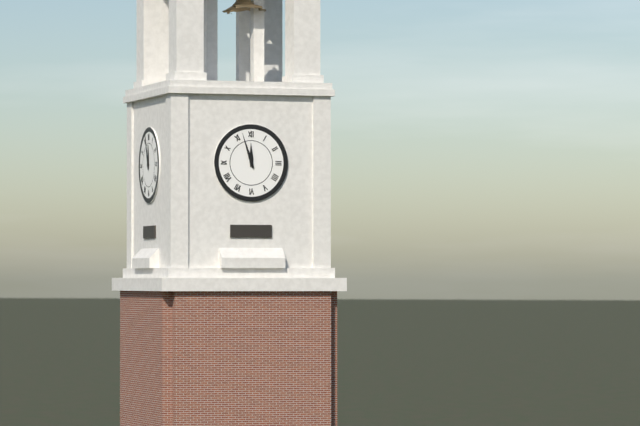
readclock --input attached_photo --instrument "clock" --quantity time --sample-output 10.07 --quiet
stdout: 11.57
